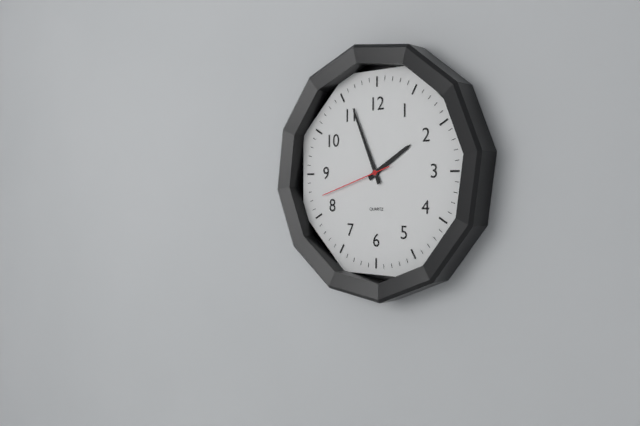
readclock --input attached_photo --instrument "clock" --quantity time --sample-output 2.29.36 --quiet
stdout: 1.56.42
